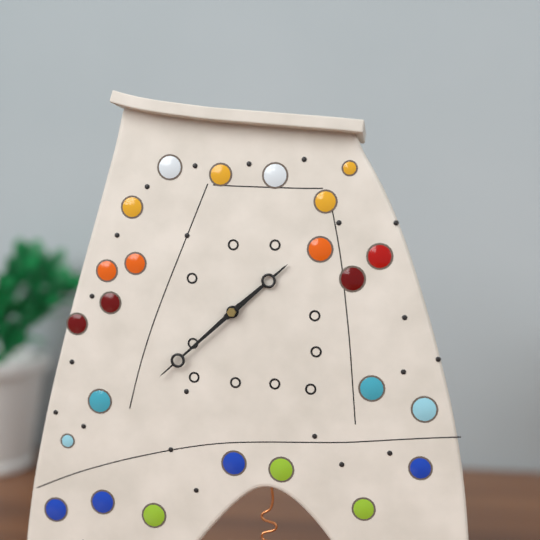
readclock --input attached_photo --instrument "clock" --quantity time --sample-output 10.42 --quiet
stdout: 1.38
